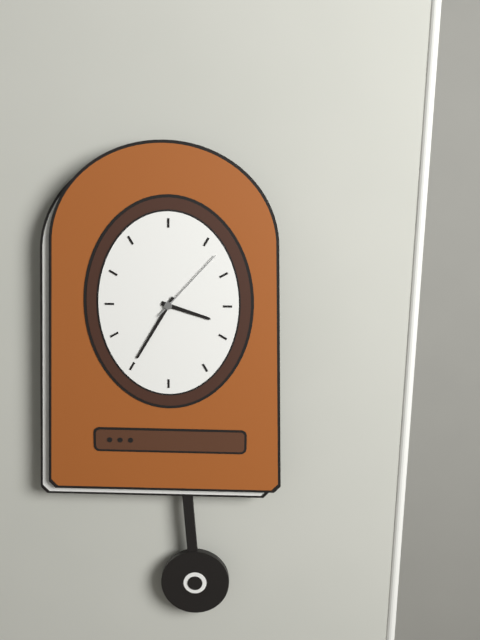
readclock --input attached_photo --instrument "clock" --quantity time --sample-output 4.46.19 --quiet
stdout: 3.35.07
